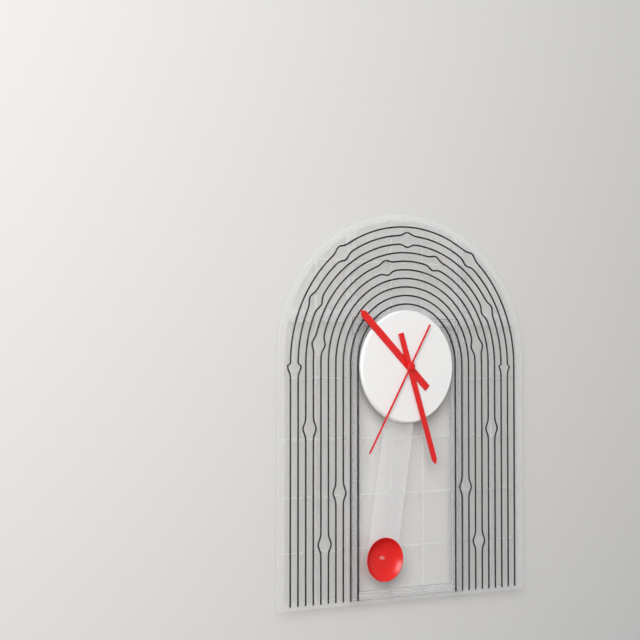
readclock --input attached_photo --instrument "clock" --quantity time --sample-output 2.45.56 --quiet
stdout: 10.27.35
